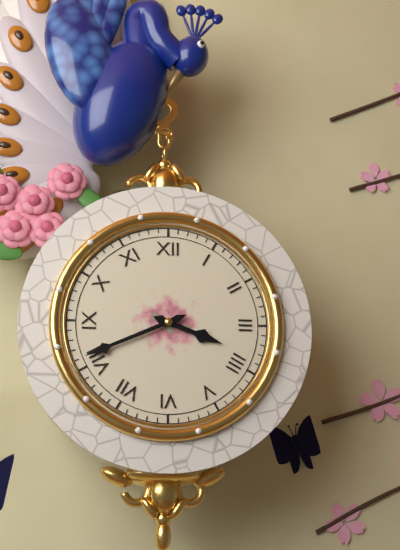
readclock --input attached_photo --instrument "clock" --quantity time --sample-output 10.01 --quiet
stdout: 3.41
